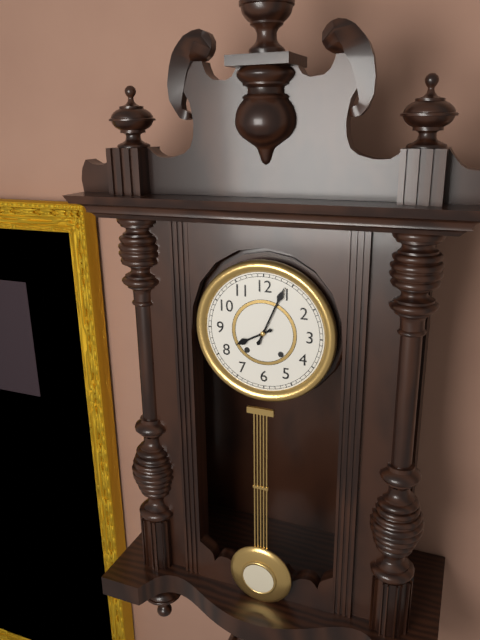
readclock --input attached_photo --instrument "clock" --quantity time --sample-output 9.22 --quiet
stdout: 8.04
